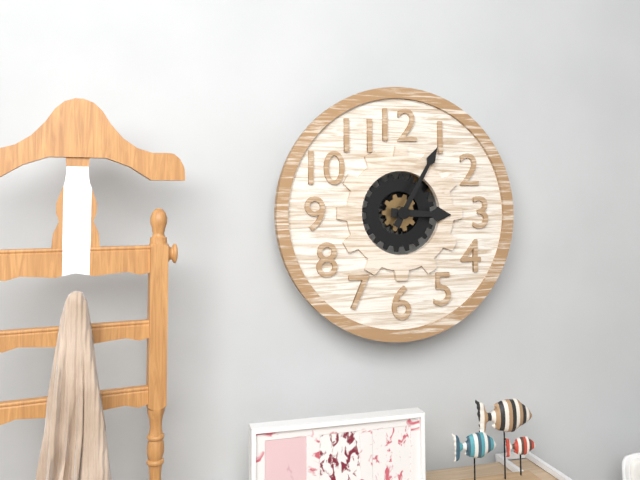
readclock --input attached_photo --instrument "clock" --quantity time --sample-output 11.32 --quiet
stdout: 3.05
